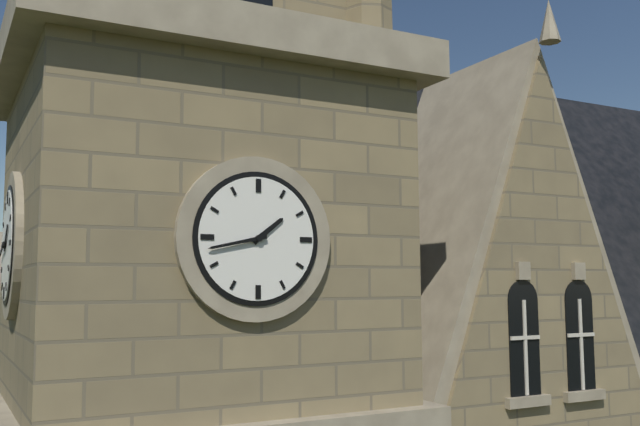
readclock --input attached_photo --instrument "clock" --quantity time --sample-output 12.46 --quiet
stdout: 1.43
